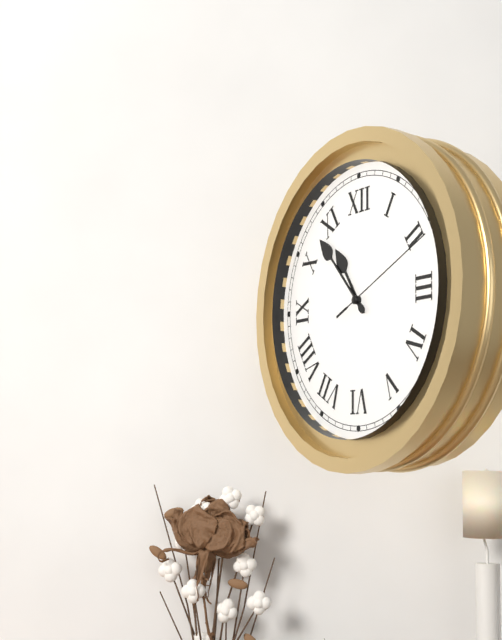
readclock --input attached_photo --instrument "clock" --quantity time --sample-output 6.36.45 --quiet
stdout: 10.53.11
